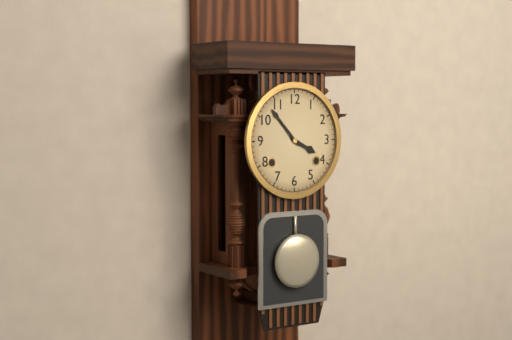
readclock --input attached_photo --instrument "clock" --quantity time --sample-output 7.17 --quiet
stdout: 3.53
